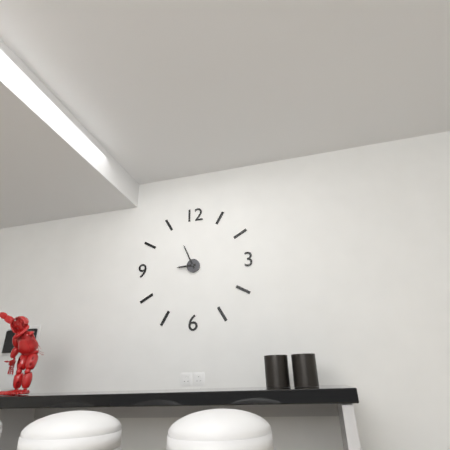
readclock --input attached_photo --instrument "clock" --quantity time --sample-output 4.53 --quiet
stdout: 8.56
